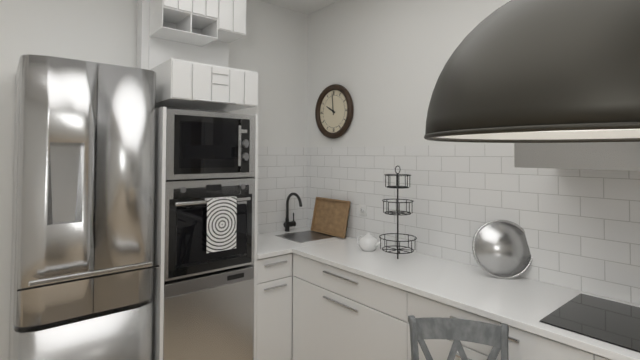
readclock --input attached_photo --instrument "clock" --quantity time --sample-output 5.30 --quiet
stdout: 9.59
